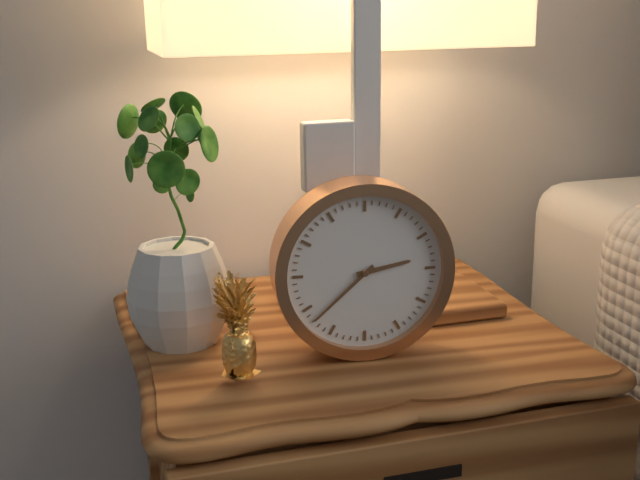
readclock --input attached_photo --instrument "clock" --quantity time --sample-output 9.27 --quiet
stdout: 2.38
